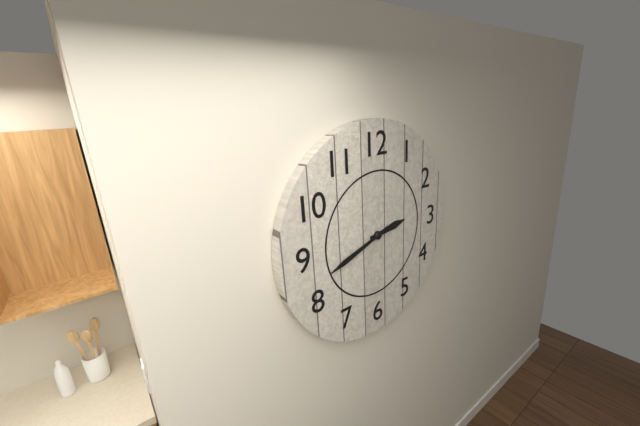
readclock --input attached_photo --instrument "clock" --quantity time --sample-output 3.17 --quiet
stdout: 2.42
